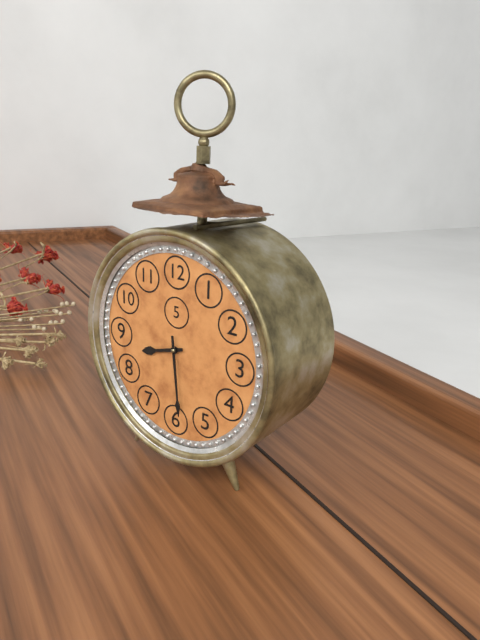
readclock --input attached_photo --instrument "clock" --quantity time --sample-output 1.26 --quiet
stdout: 8.29
